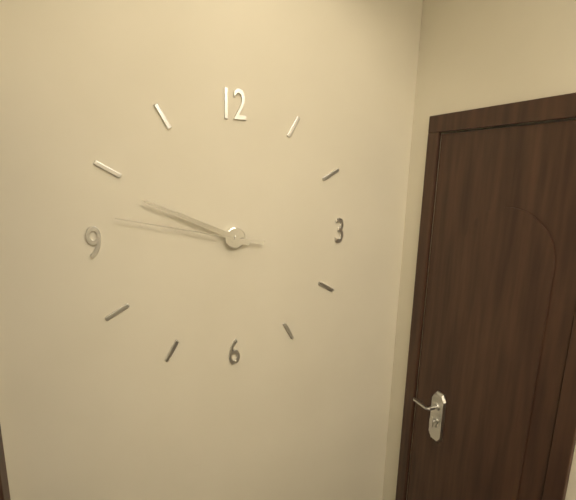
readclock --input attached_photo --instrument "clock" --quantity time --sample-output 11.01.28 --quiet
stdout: 9.49.47
